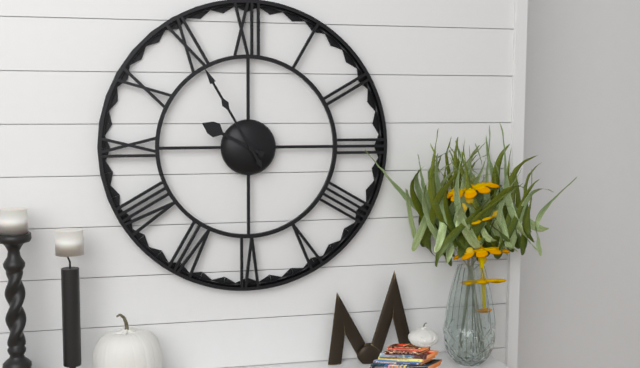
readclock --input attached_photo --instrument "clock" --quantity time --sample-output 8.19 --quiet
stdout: 9.55
